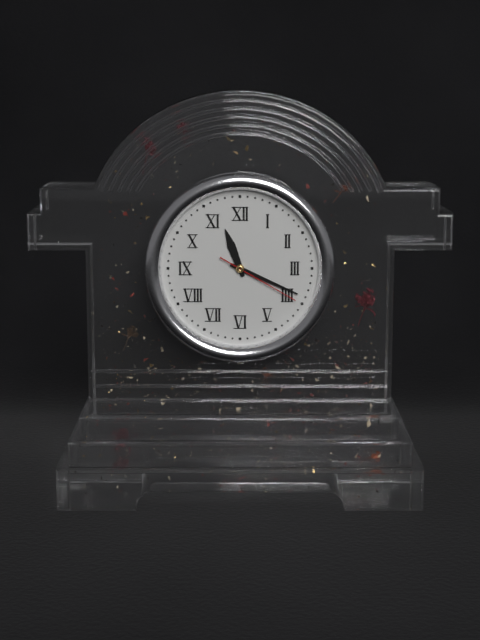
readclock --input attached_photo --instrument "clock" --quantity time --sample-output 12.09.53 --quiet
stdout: 11.19.20
